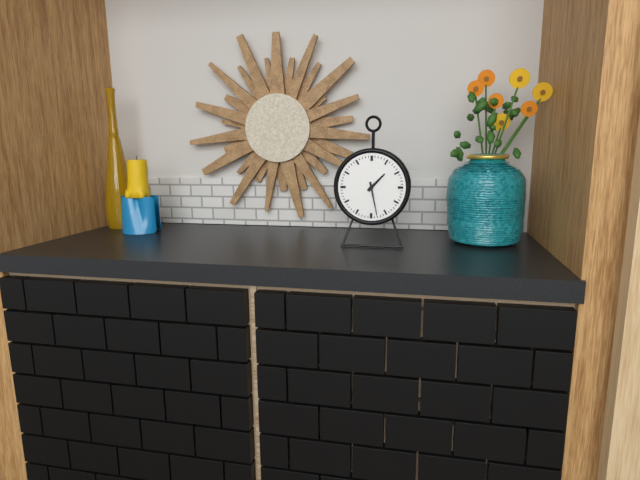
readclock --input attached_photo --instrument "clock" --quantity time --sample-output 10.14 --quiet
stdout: 1.28
